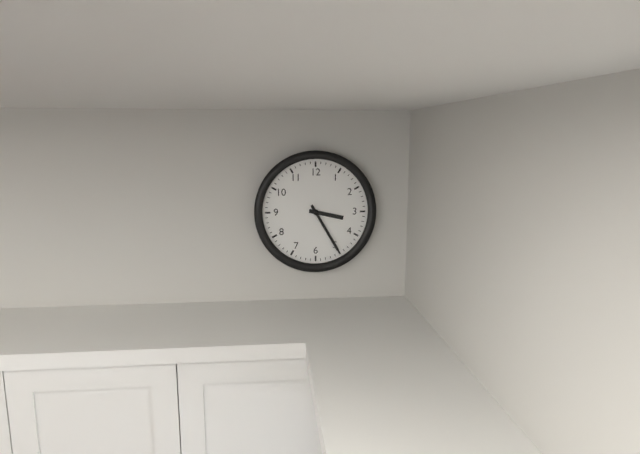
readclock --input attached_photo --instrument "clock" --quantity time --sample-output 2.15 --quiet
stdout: 3.25
